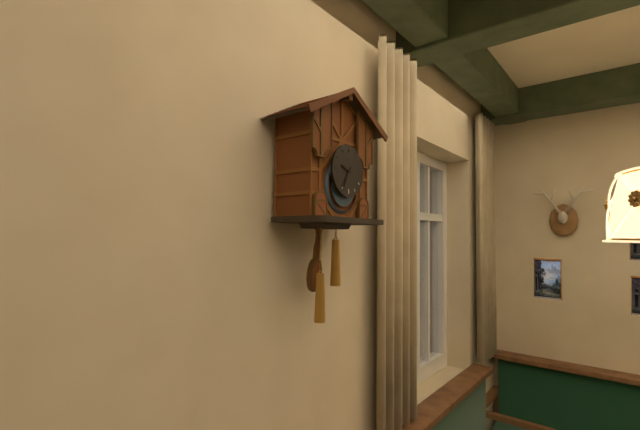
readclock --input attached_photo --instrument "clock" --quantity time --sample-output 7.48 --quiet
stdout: 9.35
